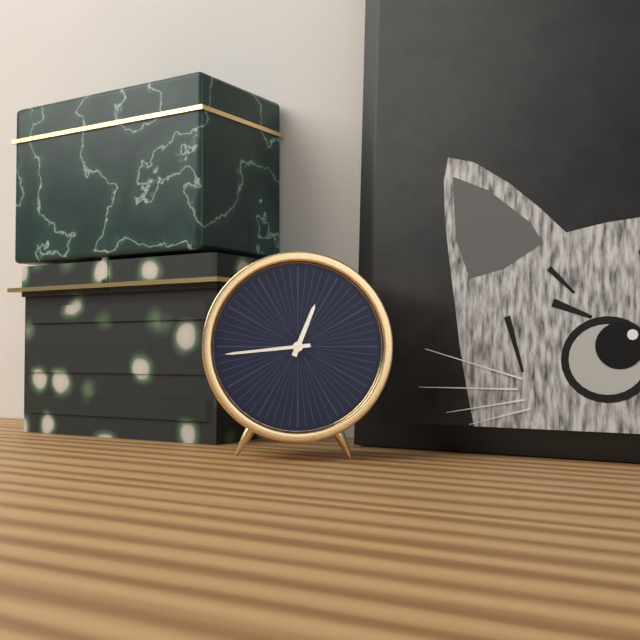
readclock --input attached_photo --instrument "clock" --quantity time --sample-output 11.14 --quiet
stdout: 12.44
